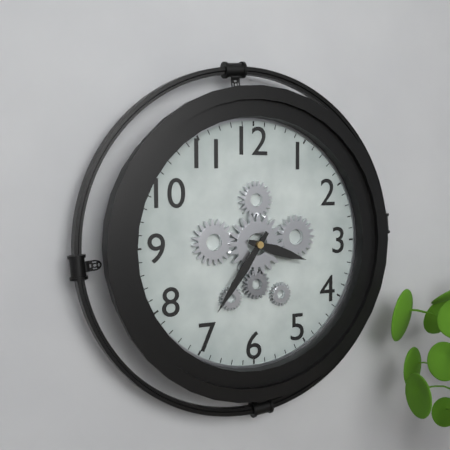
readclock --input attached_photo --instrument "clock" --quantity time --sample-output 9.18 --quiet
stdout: 3.36
